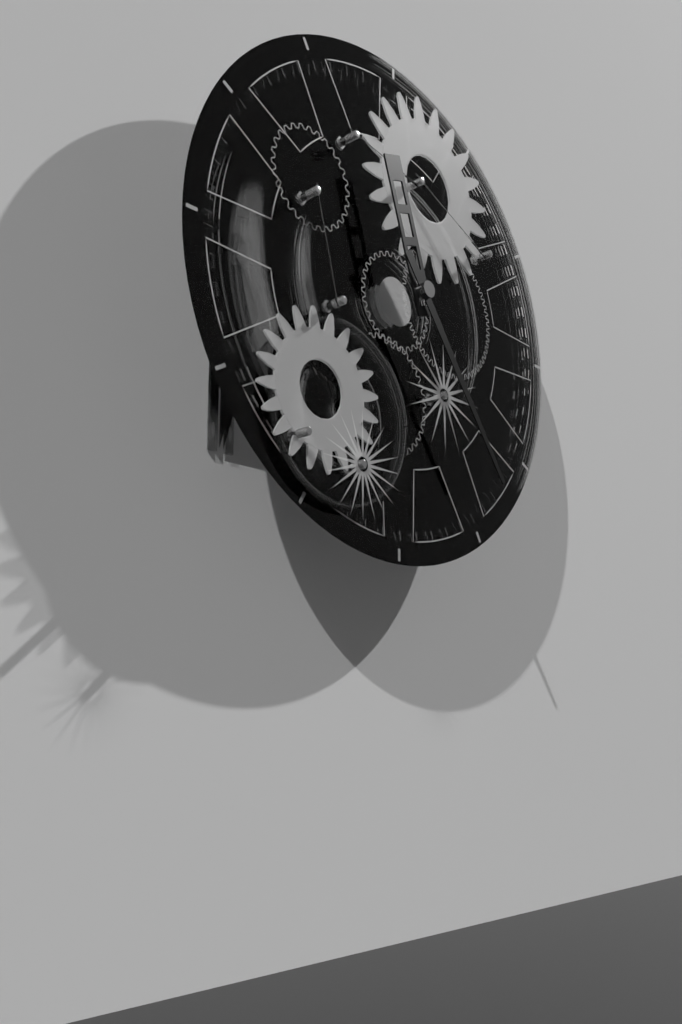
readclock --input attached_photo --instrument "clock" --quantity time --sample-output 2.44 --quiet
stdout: 11.24
